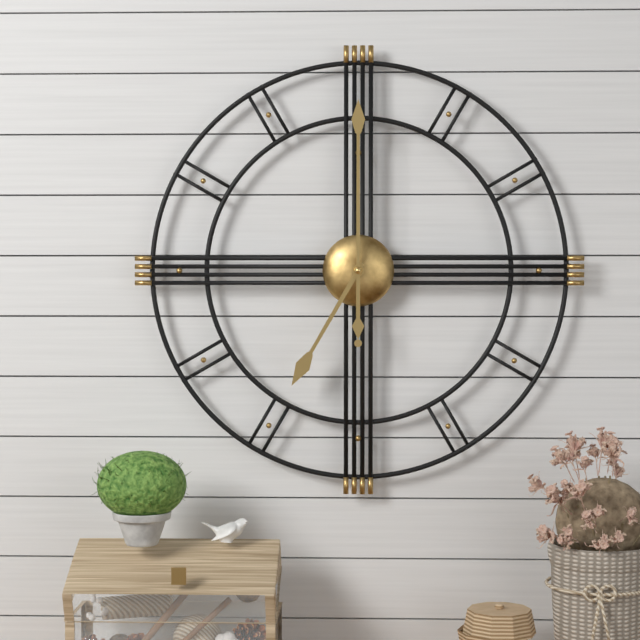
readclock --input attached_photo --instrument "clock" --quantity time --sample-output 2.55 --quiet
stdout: 7.00
